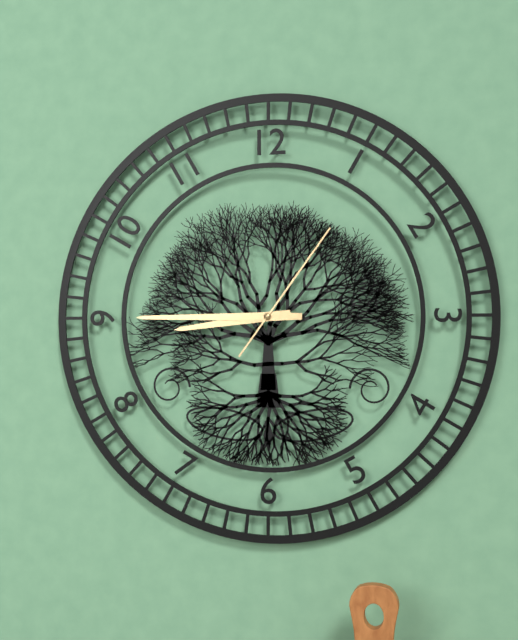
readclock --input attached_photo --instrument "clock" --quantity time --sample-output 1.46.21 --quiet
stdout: 8.45.06
